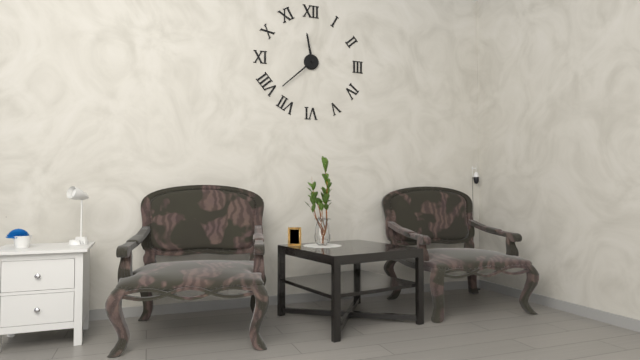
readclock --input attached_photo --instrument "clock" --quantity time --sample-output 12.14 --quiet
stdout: 11.38
